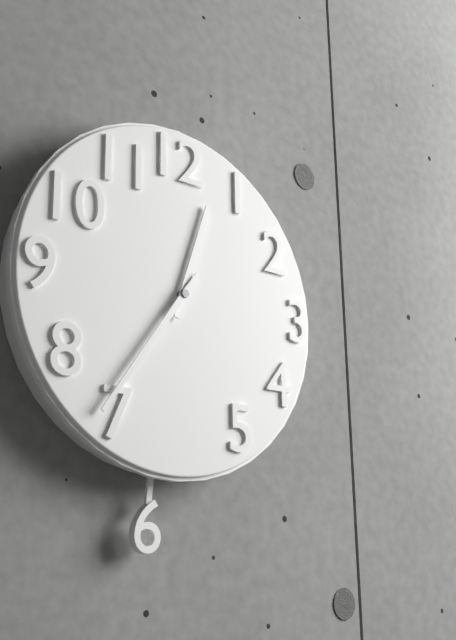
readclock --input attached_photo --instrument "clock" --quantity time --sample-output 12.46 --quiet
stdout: 12.36
